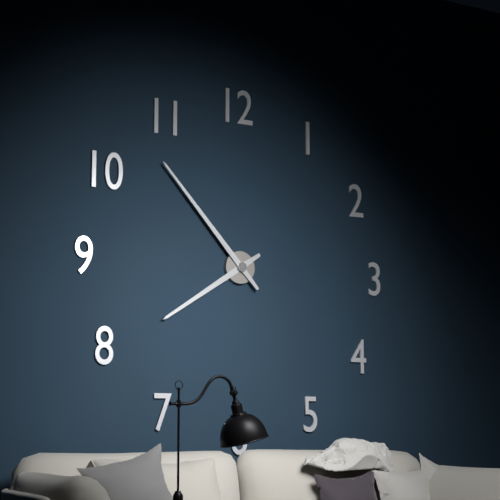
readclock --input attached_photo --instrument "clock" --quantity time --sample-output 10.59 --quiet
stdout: 7.53
